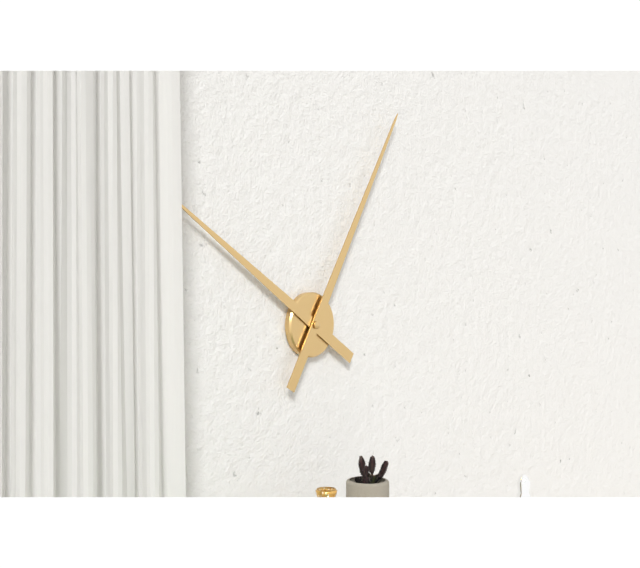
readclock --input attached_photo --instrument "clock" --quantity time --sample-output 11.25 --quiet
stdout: 10.05
